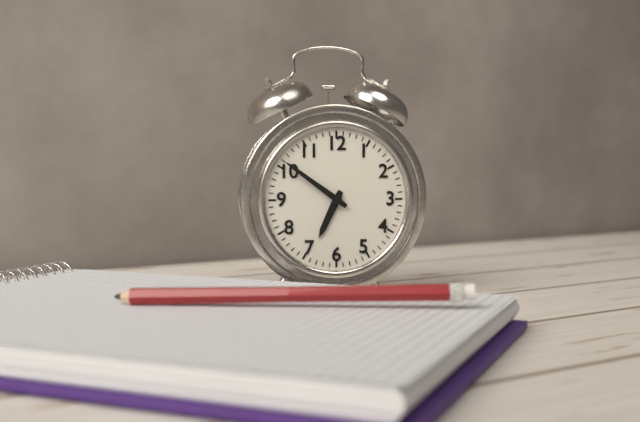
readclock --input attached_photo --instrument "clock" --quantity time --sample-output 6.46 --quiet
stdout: 6.51
